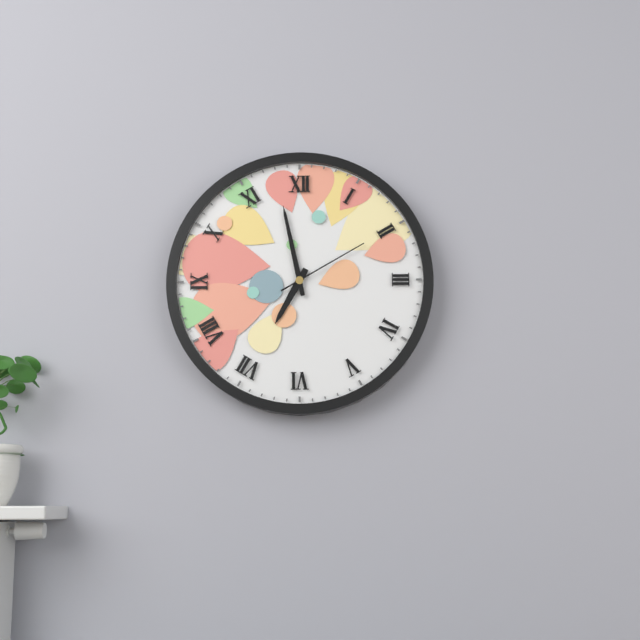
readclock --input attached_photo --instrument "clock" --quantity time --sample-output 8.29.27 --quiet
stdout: 6.58.10
